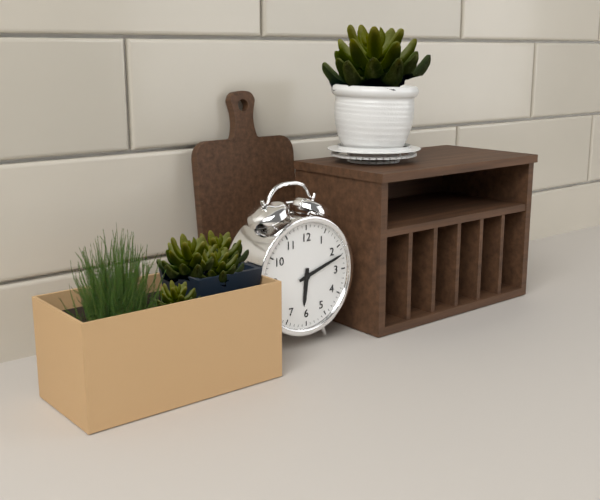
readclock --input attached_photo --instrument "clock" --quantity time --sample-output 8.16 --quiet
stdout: 6.12
